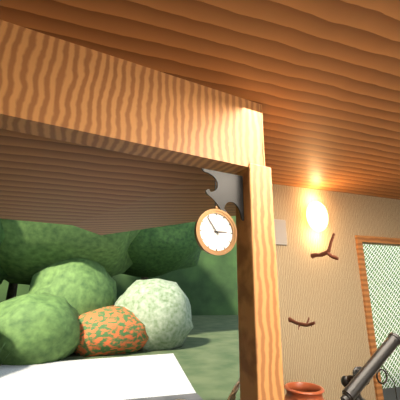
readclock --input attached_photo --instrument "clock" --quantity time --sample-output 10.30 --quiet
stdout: 2.54
